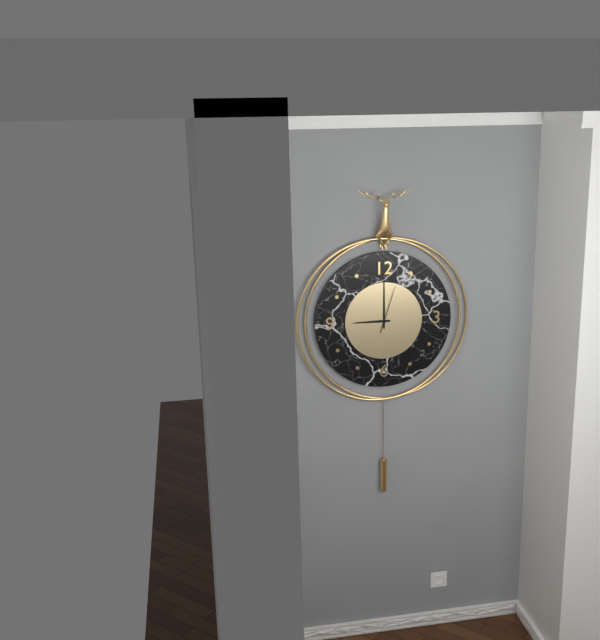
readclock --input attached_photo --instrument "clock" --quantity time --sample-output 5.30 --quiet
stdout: 9.00
